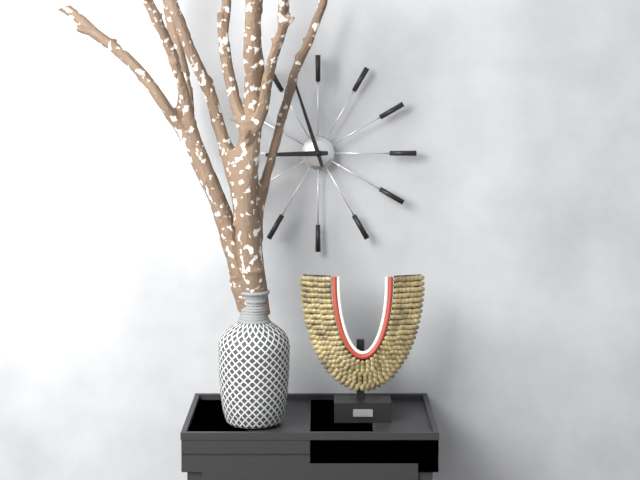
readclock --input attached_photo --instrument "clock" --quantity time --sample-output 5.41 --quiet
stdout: 8.57
